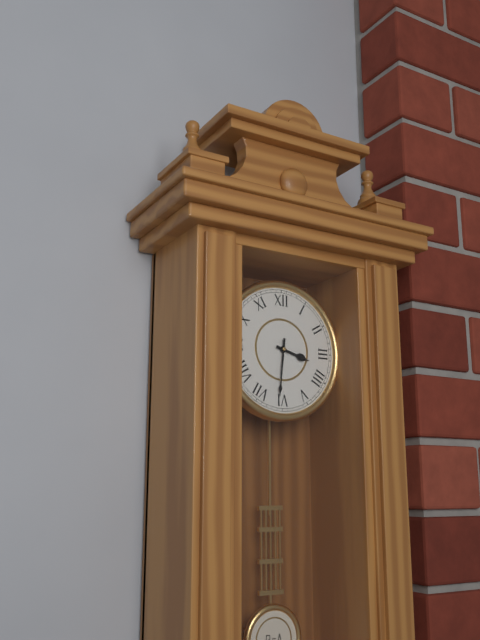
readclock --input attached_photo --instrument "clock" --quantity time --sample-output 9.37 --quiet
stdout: 3.31
